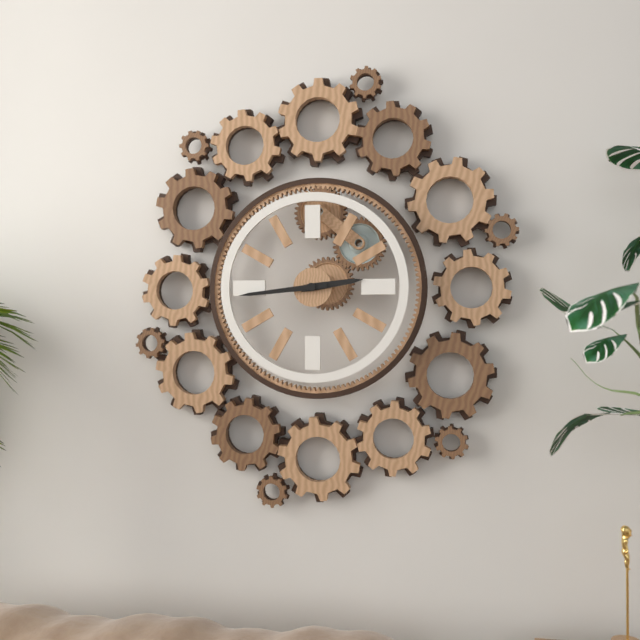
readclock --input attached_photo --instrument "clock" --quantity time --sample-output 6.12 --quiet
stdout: 2.44
